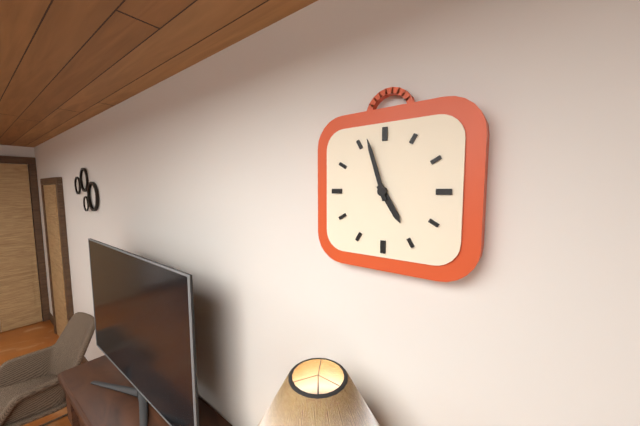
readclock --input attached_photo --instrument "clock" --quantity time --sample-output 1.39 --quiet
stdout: 4.57
